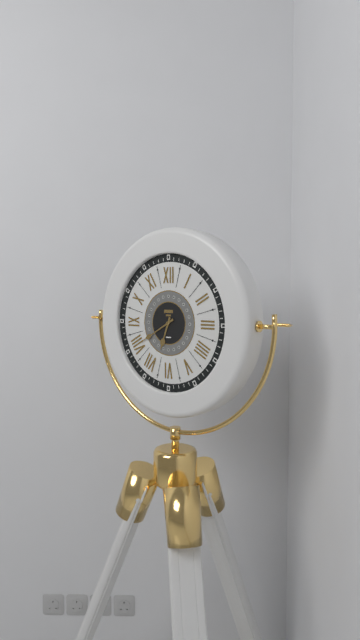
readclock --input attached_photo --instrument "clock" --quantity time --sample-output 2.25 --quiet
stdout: 6.40
